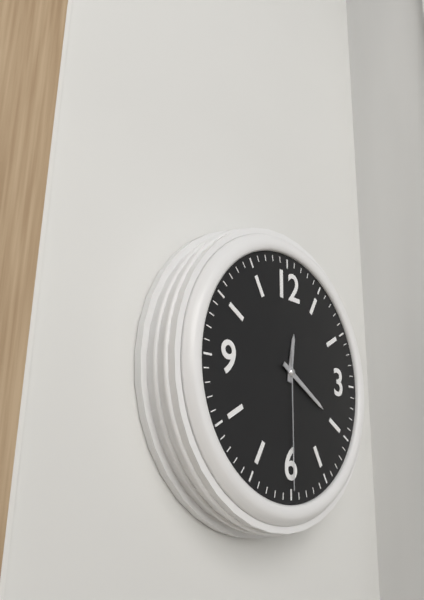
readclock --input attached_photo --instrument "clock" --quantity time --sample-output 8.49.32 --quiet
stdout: 12.20.30
